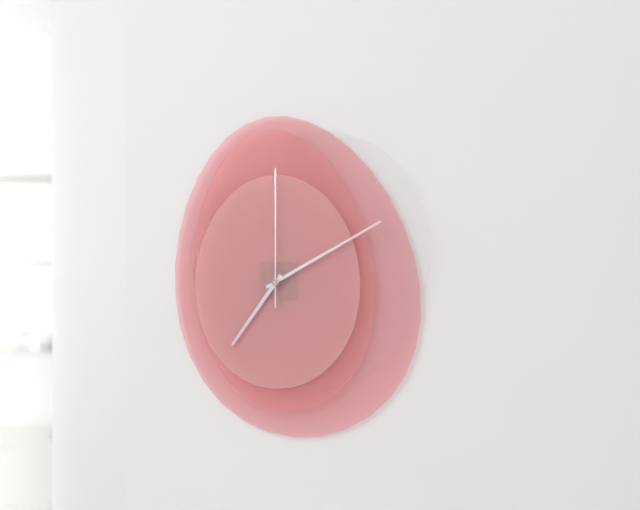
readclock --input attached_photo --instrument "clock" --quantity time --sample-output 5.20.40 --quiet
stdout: 7.10.00
